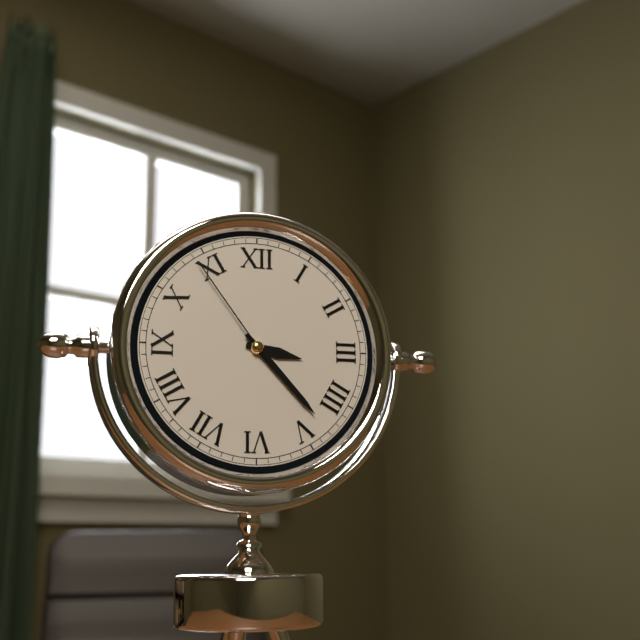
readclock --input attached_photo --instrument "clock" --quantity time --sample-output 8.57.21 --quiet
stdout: 3.23.54
